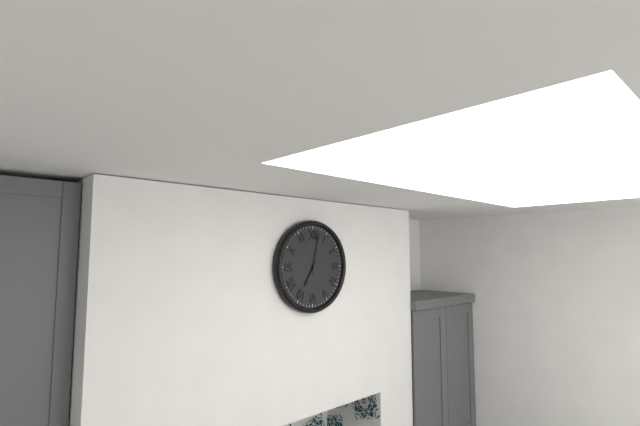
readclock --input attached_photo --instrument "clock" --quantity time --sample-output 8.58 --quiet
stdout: 7.02
